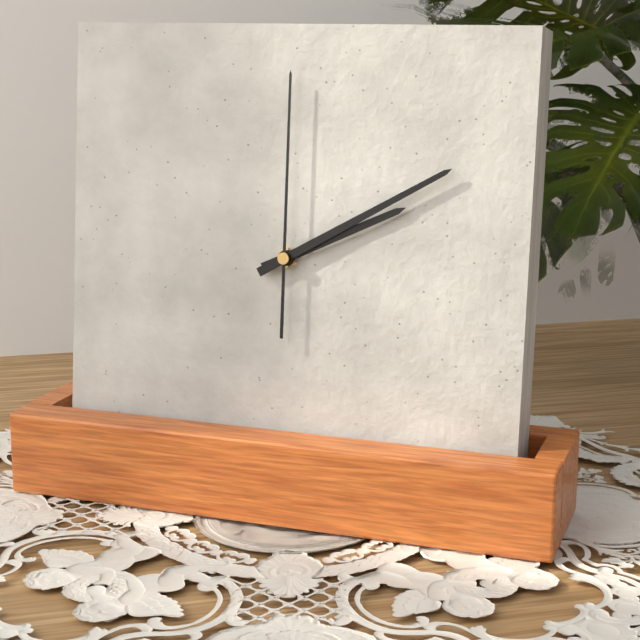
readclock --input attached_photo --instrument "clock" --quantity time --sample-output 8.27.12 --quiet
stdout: 2.10.00
